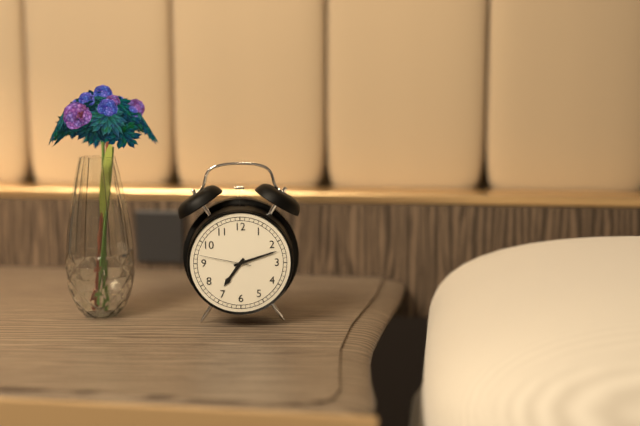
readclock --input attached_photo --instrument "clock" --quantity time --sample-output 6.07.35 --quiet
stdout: 7.12.47
